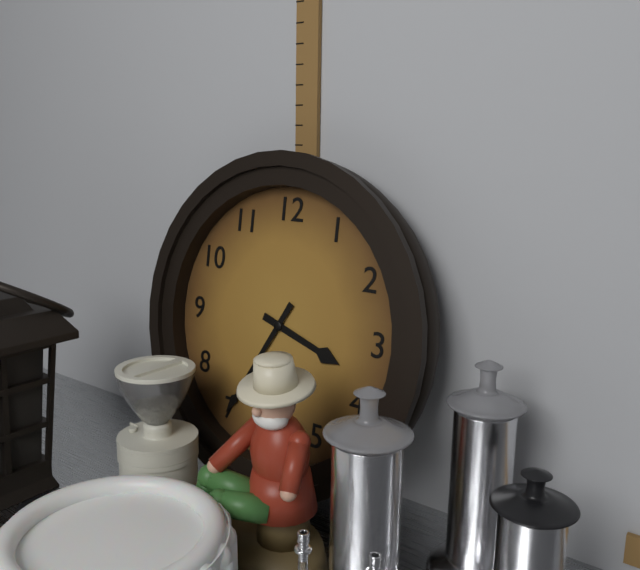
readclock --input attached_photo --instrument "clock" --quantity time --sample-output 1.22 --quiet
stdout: 3.35
